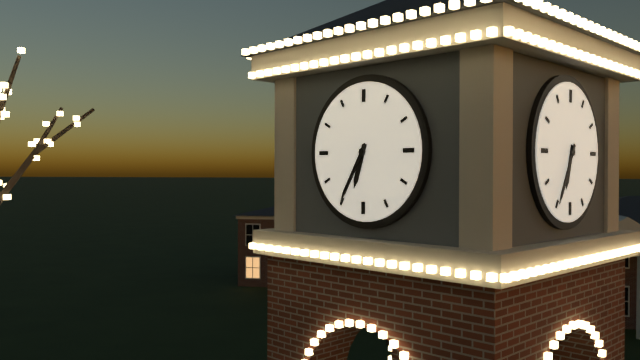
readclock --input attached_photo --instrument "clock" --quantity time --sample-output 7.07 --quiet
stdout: 6.35
